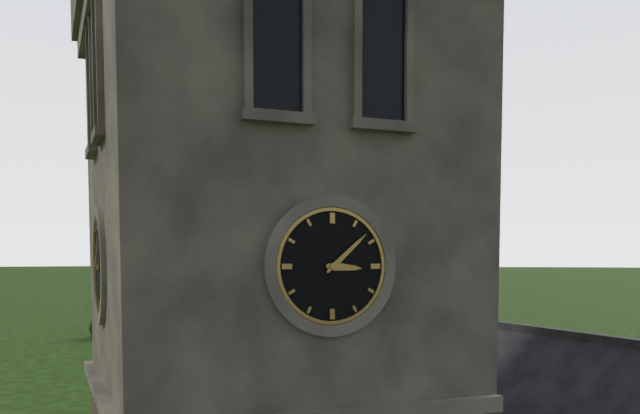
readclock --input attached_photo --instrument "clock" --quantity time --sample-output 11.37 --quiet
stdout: 3.08
